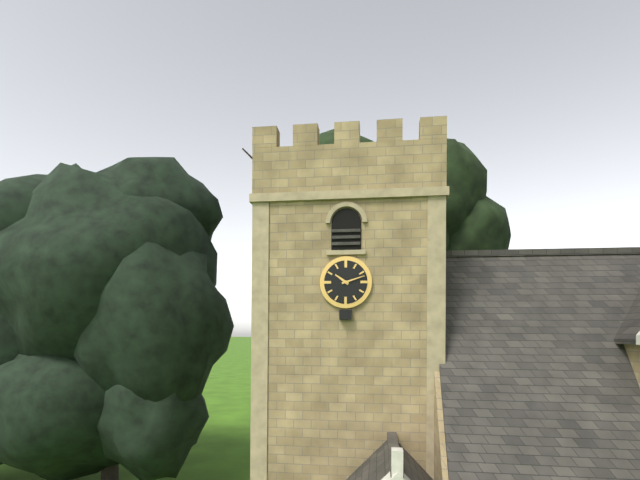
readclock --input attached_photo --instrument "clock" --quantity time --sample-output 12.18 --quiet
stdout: 10.12
